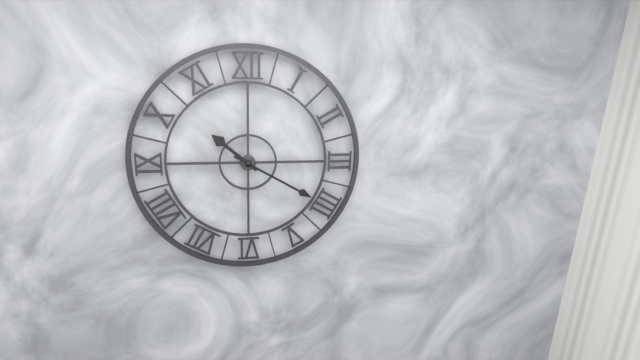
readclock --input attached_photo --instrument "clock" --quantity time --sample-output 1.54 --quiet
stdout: 10.20
